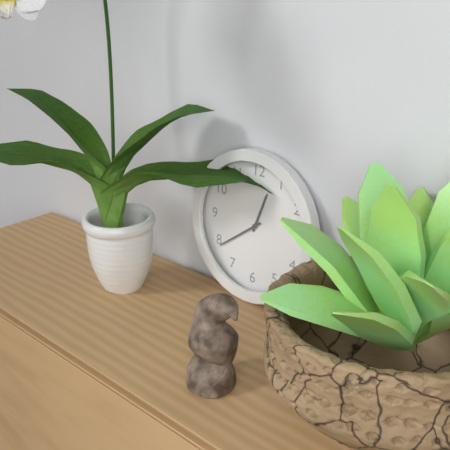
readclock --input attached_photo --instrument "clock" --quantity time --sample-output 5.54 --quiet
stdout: 12.39
